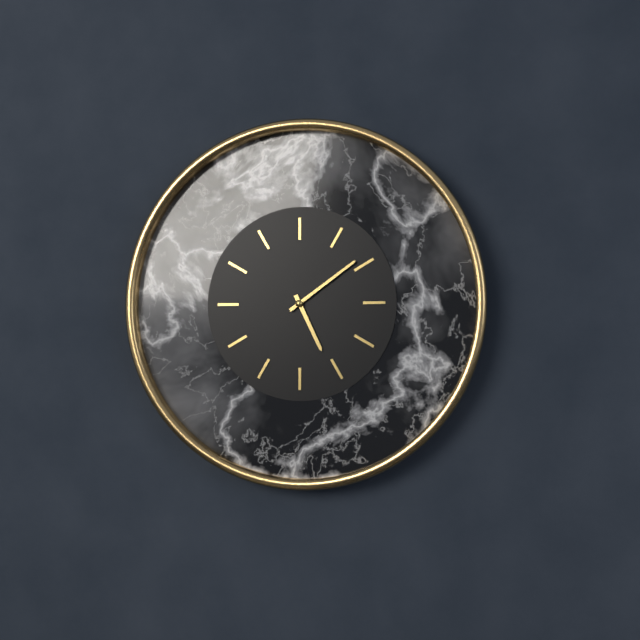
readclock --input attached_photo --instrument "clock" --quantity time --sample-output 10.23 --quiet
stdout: 5.09
